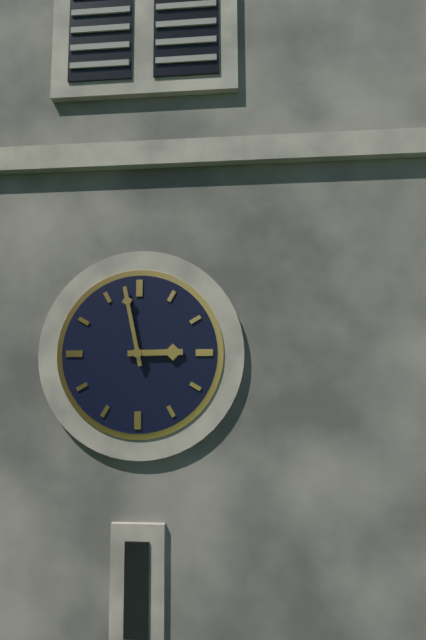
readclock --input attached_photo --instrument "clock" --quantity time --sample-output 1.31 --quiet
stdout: 2.58
